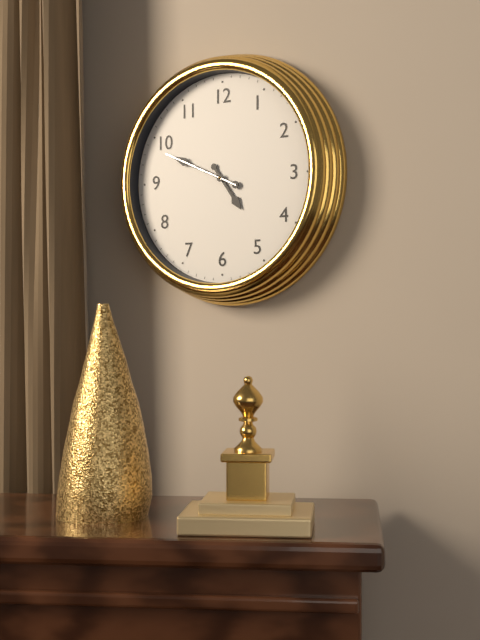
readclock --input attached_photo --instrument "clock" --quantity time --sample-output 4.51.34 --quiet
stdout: 4.49.49
